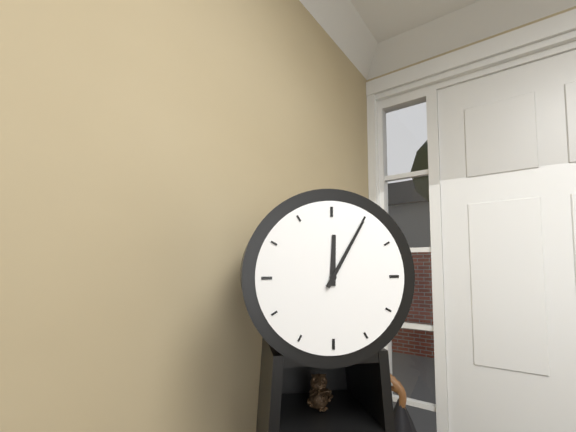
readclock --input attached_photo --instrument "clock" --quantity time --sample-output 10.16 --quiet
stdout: 12.05
